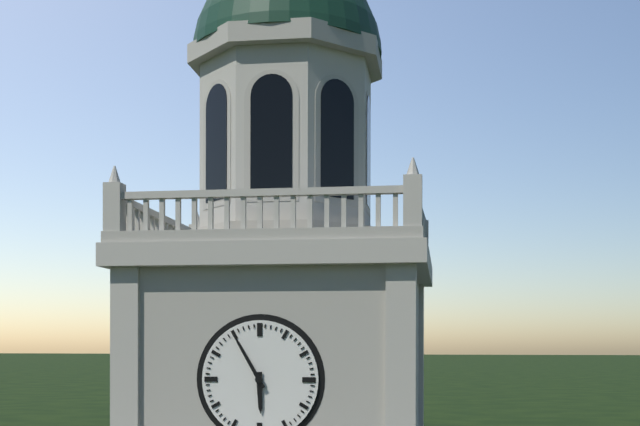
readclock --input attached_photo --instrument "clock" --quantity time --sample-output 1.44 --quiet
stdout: 5.55
